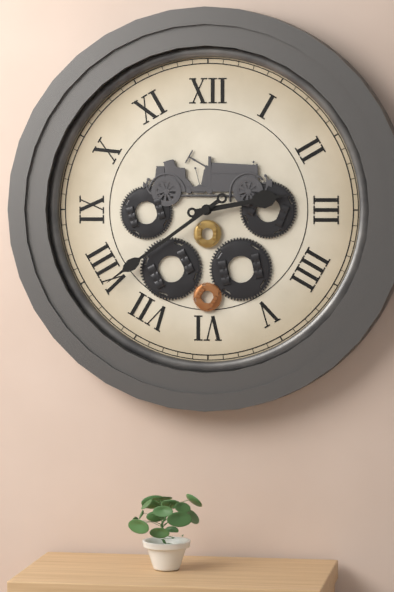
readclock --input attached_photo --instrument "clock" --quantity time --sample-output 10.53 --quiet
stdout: 2.39
